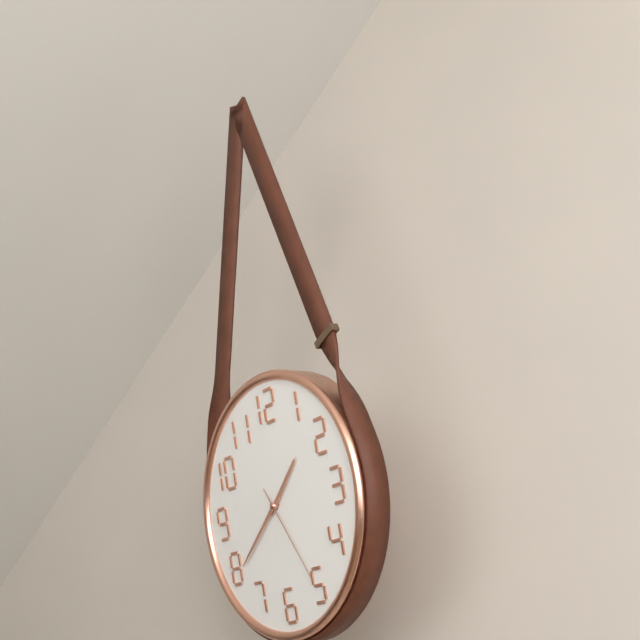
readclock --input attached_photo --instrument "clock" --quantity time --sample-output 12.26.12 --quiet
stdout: 1.39.25
